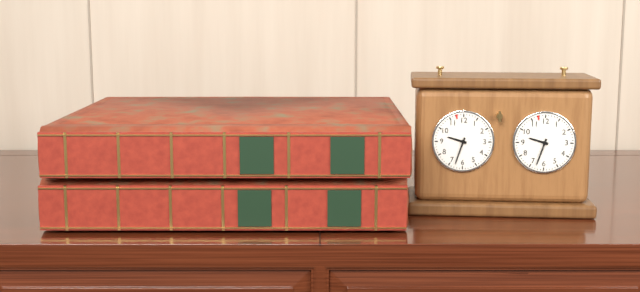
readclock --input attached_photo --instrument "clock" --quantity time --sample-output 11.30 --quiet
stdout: 9.33
